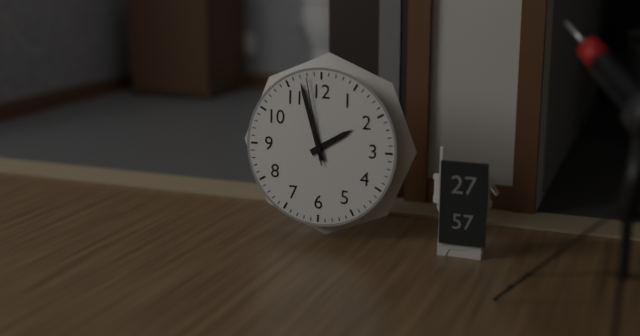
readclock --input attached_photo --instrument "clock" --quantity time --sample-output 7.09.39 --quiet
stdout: 1.57.58
